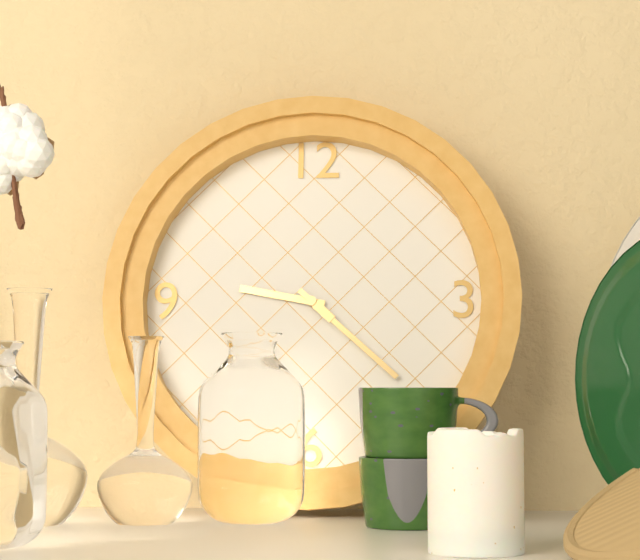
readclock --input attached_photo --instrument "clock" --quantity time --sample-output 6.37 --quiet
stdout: 9.22
